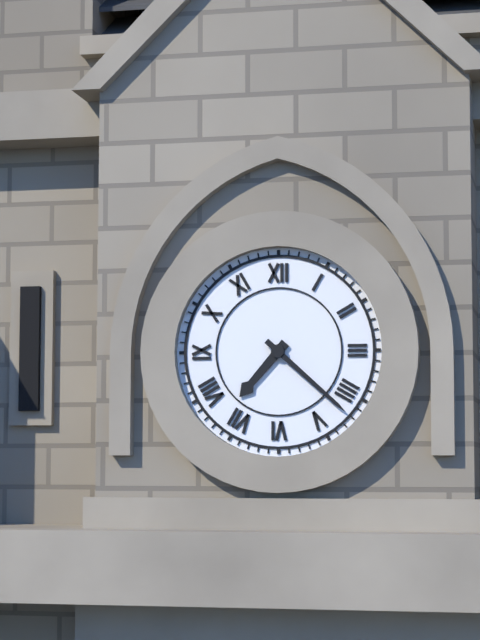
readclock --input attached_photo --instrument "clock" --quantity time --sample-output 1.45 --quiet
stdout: 7.22
